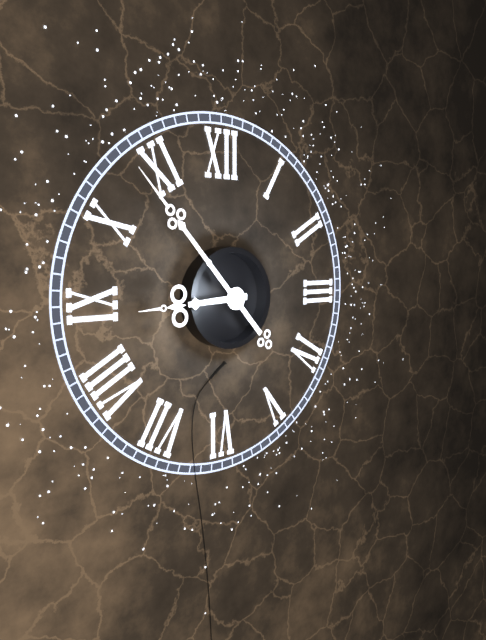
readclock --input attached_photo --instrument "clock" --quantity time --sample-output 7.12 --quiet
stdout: 8.53
